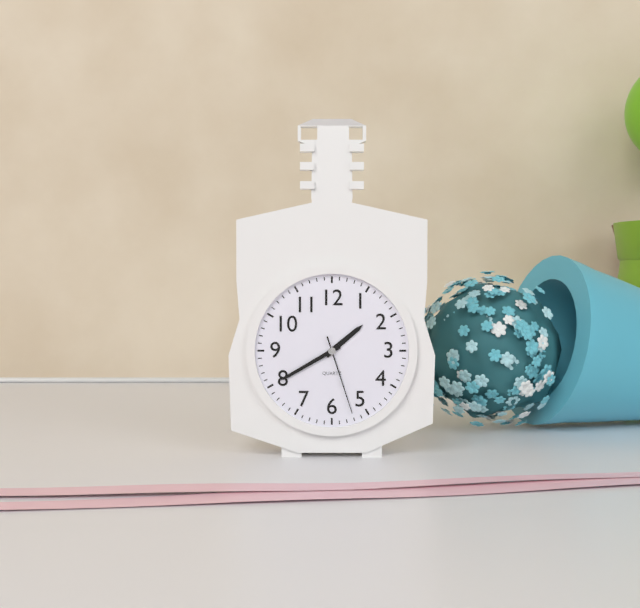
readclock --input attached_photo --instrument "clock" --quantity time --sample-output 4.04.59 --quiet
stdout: 1.40.27
